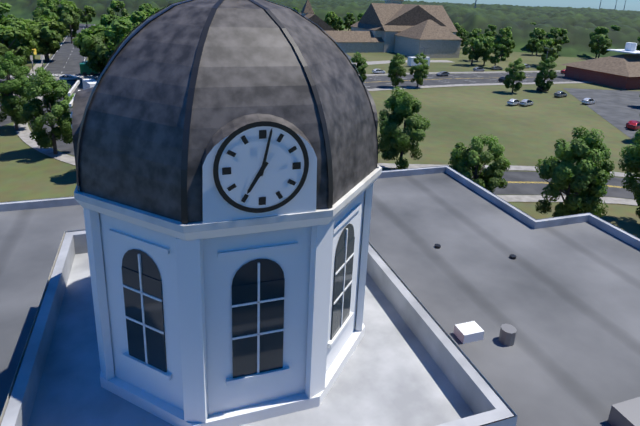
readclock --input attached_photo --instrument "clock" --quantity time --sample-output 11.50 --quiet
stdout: 7.02
